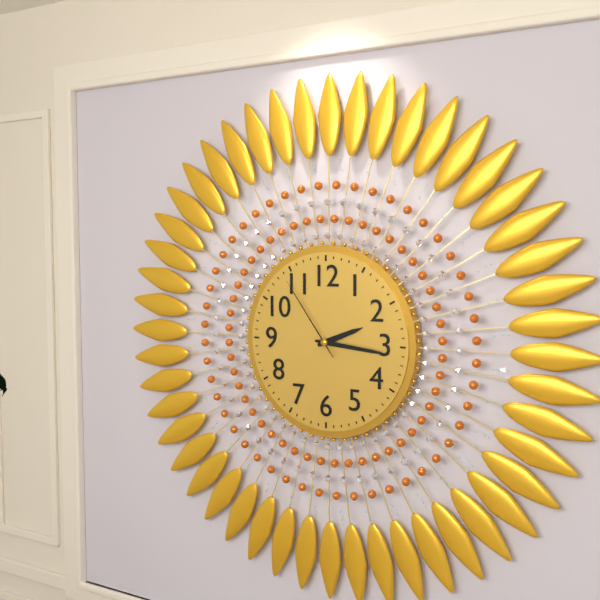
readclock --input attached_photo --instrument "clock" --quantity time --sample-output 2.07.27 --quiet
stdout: 2.16.54
